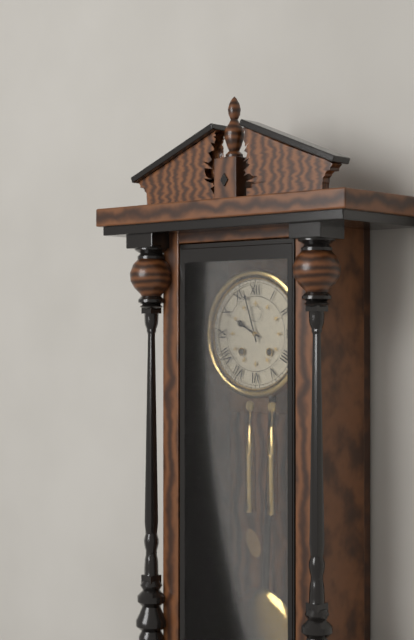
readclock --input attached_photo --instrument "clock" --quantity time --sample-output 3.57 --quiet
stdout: 9.57
